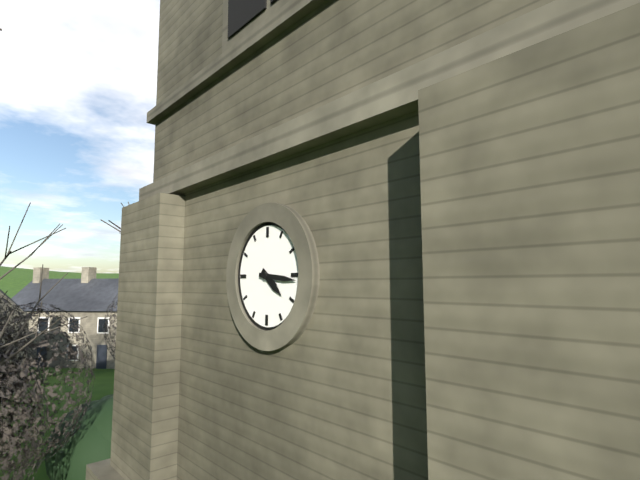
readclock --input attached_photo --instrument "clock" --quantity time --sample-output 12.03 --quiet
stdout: 4.16
